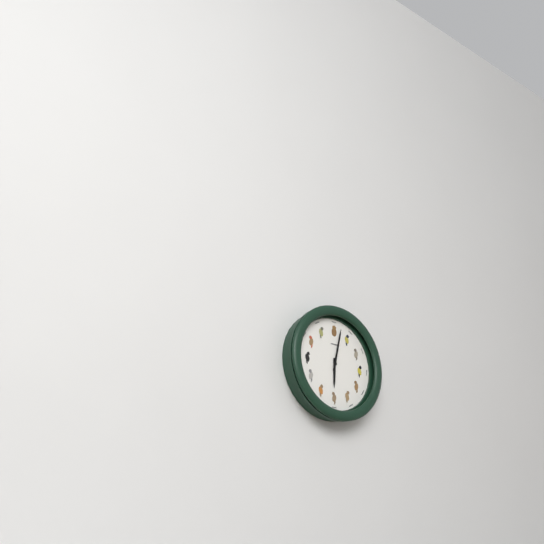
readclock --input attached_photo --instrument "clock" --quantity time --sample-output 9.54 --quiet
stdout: 6.02
